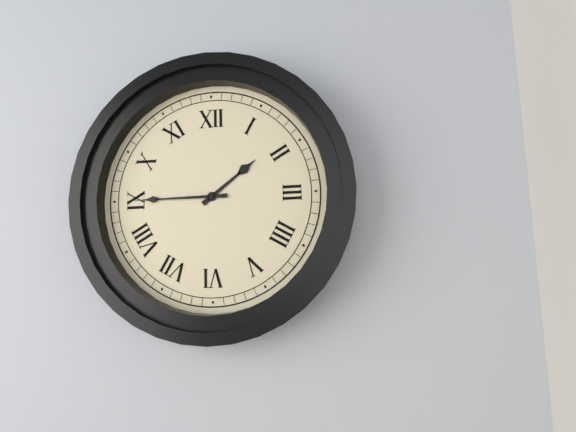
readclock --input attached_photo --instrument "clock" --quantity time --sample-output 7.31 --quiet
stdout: 1.45
